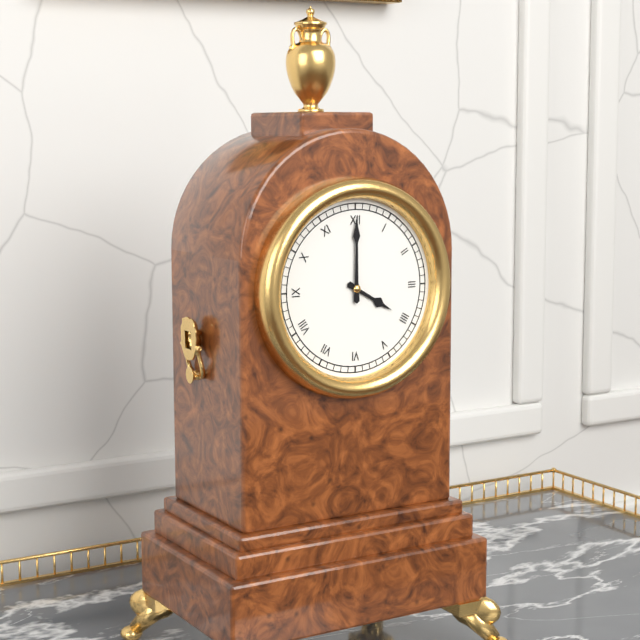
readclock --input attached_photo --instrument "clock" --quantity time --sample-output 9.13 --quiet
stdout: 4.00
